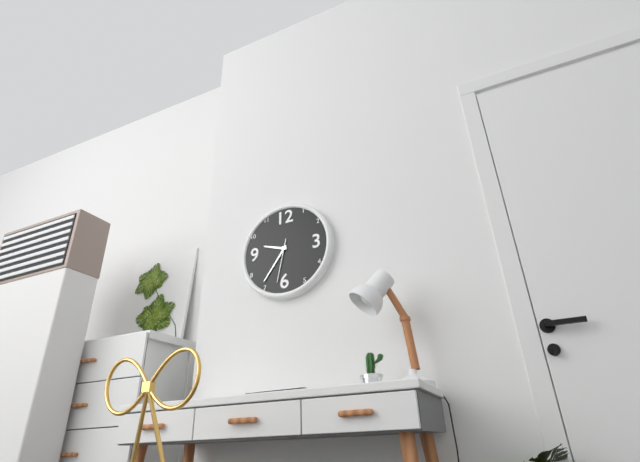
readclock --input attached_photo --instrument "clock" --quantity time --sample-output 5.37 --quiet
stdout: 9.36
